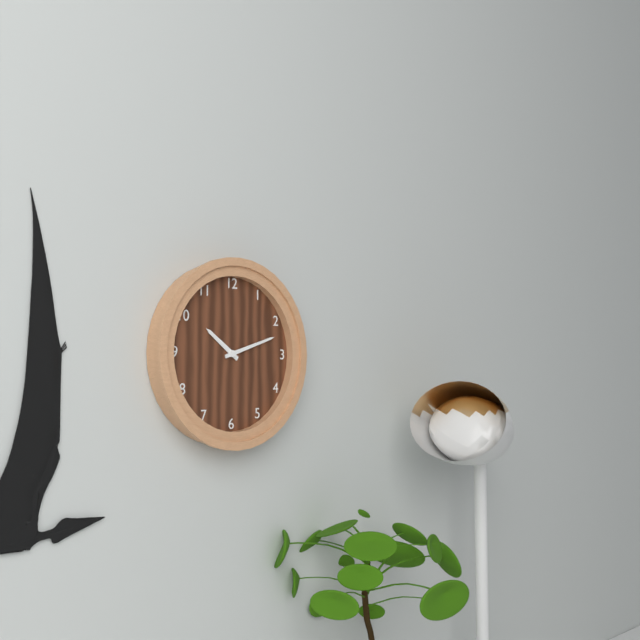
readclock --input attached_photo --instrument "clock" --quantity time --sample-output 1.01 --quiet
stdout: 10.12
